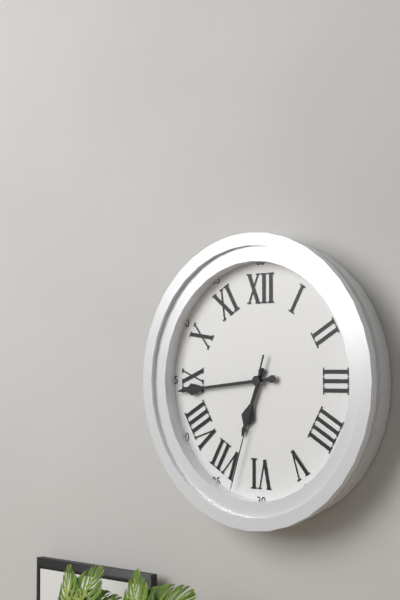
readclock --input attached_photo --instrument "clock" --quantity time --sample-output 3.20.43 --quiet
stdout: 6.44.33
